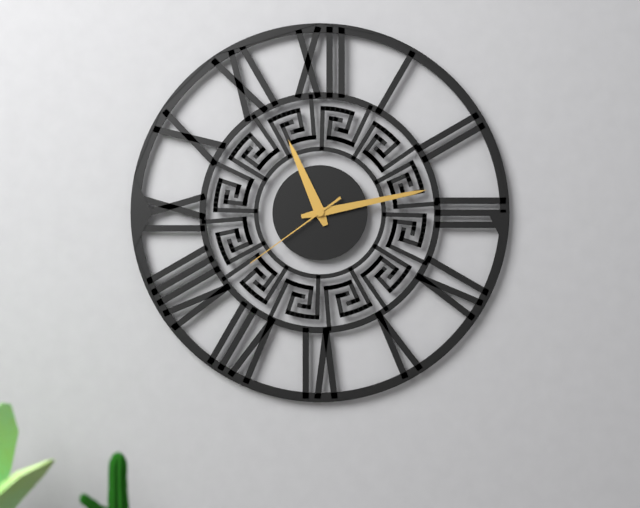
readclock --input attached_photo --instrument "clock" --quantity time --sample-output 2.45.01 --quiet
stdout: 11.13.39
